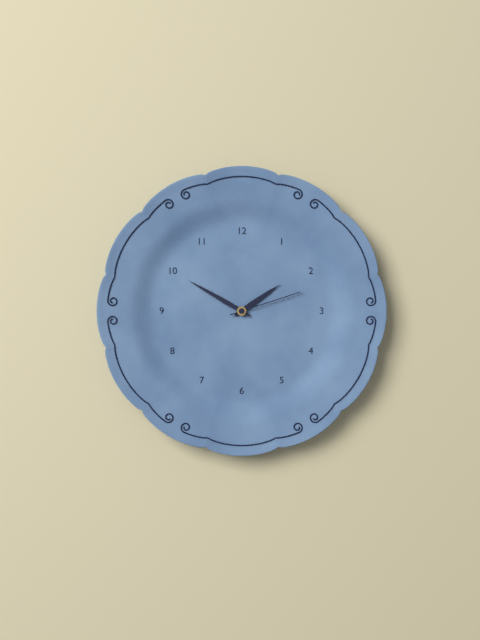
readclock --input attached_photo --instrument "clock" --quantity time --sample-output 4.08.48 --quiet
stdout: 1.50.12
